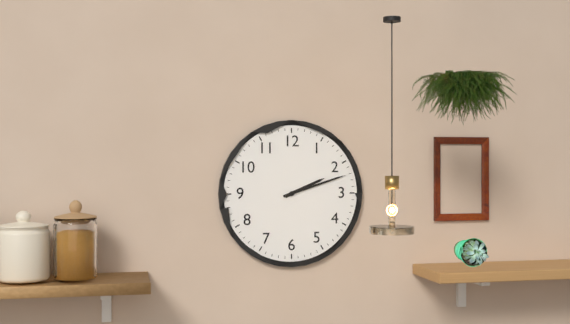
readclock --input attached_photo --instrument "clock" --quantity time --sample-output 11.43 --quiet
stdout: 2.12
